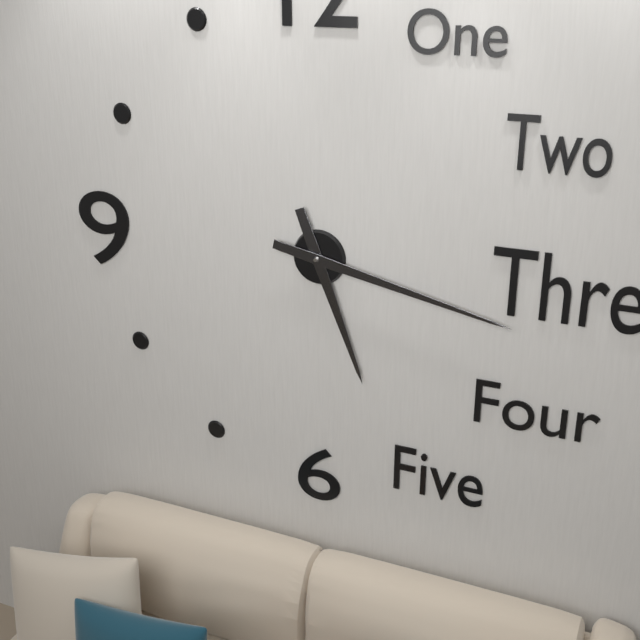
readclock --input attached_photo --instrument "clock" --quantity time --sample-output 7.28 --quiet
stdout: 5.17
